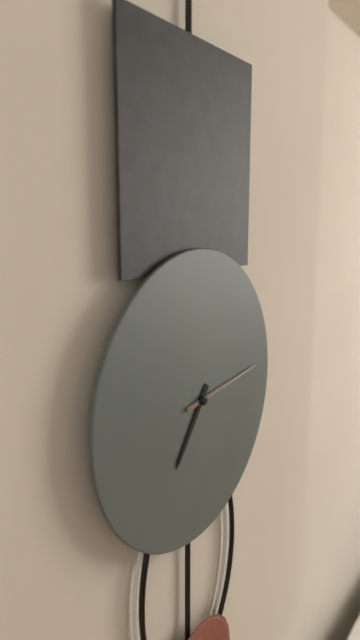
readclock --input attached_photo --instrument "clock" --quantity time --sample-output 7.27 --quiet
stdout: 7.14
